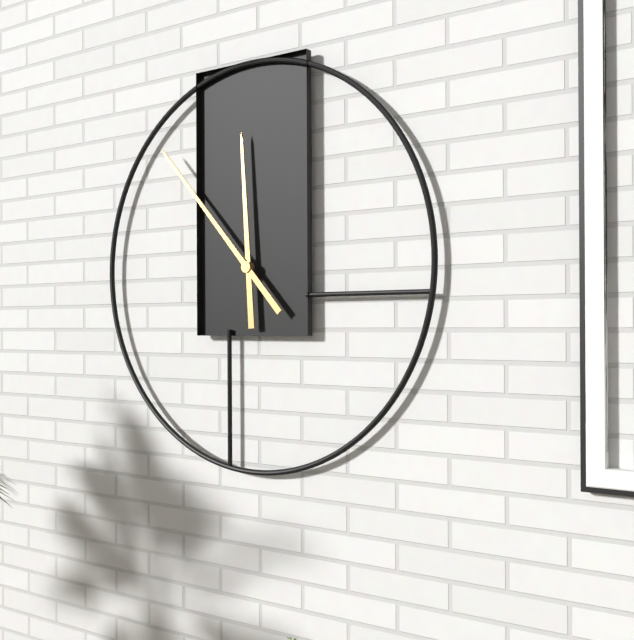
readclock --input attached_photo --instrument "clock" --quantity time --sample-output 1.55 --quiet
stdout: 11.53
